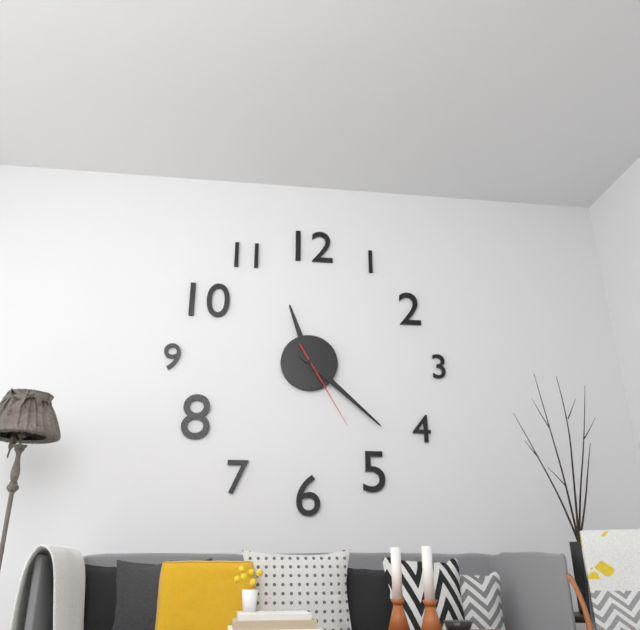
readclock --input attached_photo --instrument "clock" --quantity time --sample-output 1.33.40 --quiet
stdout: 11.22.25
